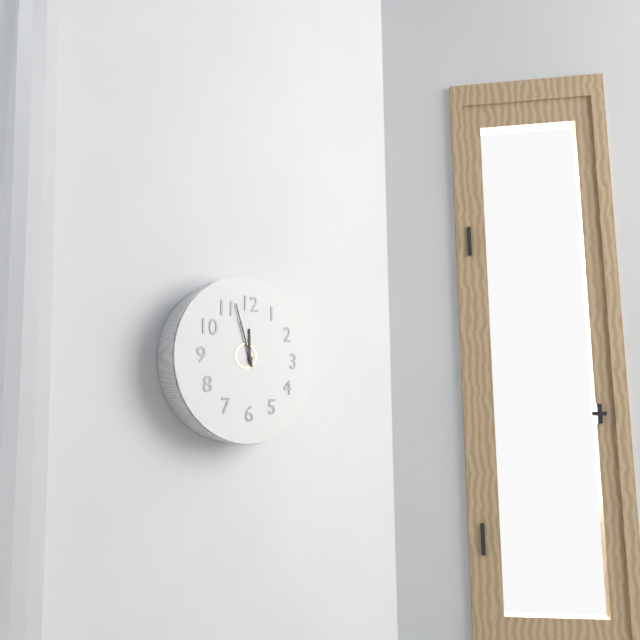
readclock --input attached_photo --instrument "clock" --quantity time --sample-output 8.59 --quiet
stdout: 11.57
